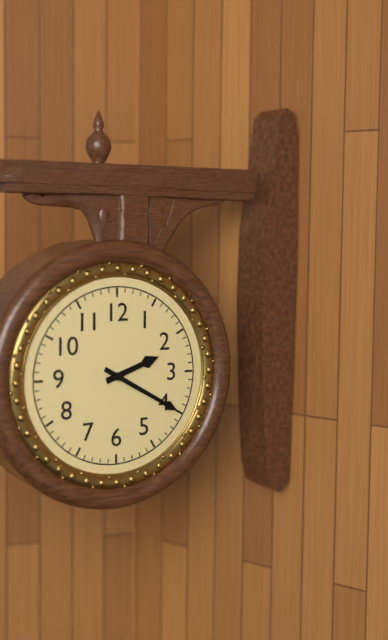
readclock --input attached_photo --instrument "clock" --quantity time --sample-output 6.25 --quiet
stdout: 2.20
